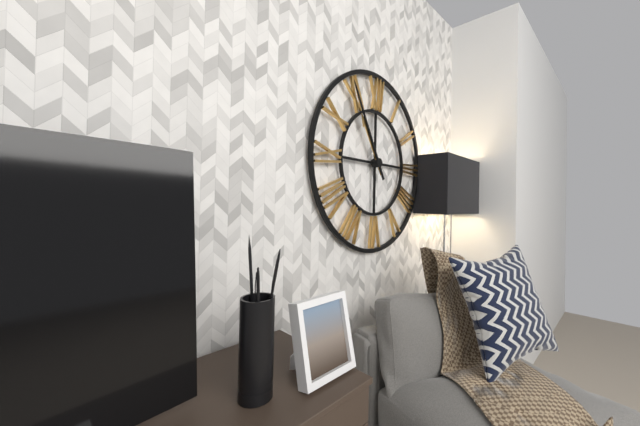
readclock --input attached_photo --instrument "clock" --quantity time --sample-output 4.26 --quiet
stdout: 10.55
